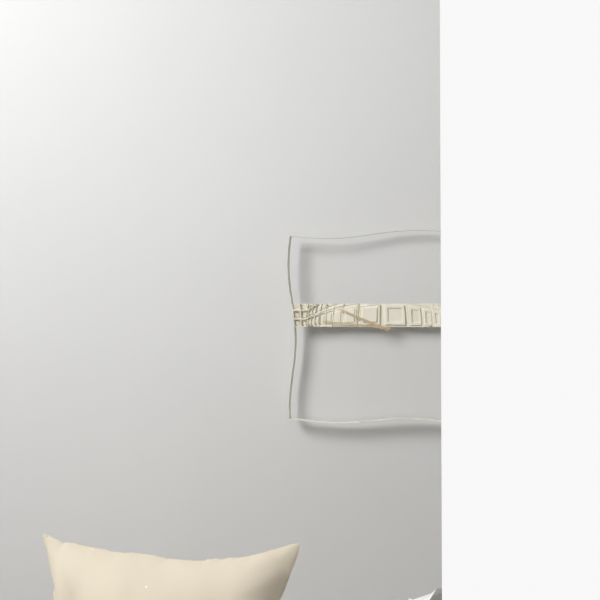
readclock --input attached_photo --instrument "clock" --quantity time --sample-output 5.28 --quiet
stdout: 9.46
